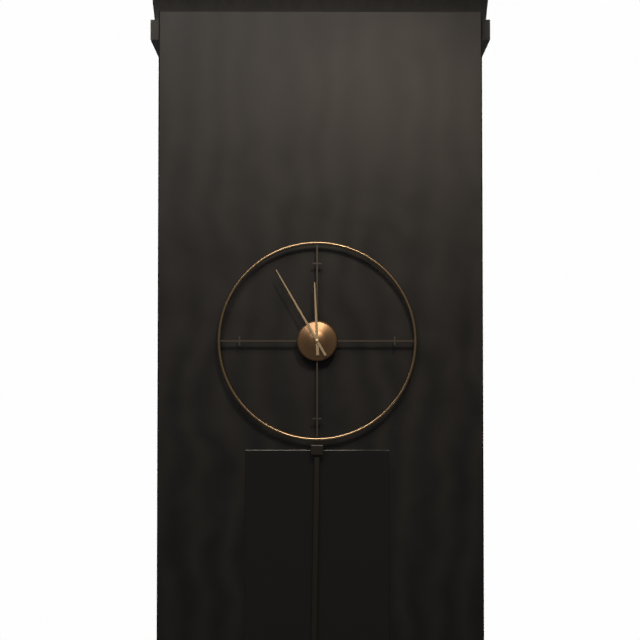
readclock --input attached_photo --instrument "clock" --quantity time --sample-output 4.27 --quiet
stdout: 11.55
